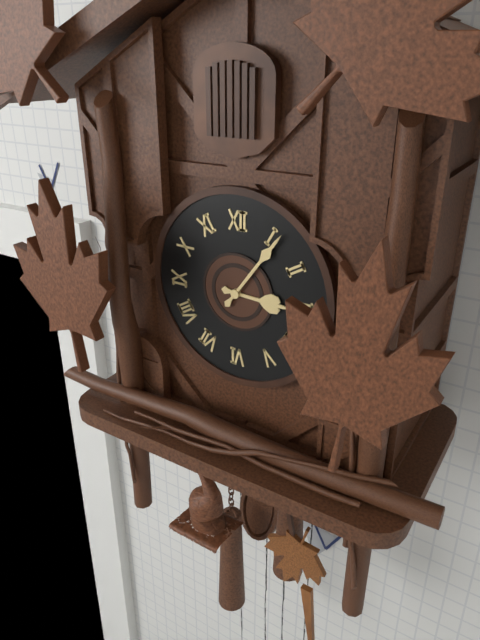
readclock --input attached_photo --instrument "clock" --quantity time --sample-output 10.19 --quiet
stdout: 3.06
